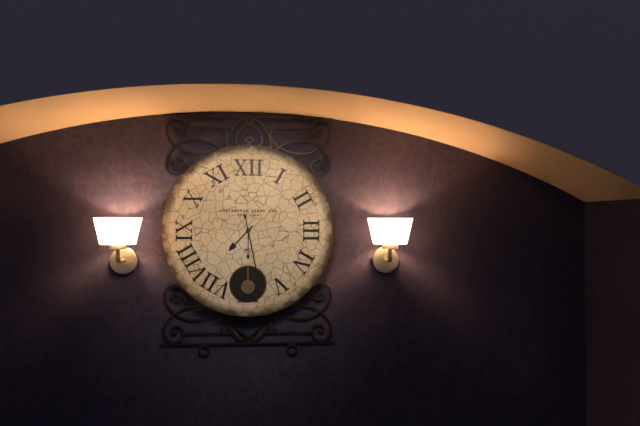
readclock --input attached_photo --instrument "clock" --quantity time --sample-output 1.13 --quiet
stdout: 7.28
